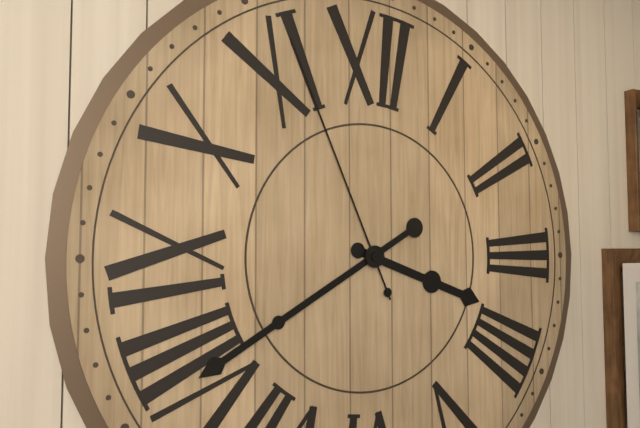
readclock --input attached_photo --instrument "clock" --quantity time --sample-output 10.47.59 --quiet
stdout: 3.40.56
